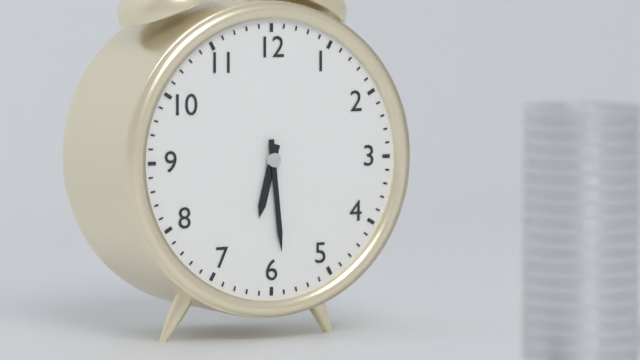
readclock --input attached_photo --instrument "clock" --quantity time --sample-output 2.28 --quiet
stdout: 6.29
